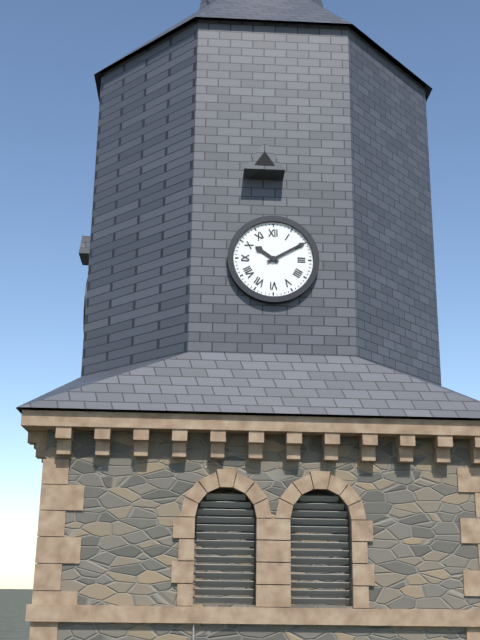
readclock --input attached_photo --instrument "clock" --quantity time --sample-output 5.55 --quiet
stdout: 10.10
